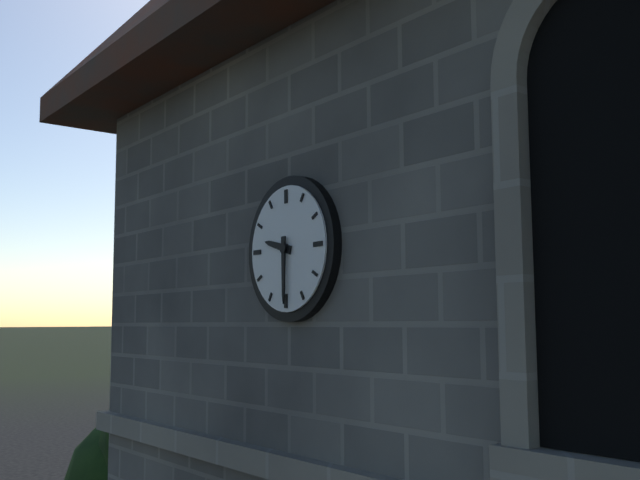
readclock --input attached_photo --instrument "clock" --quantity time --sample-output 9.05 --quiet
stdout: 9.30
